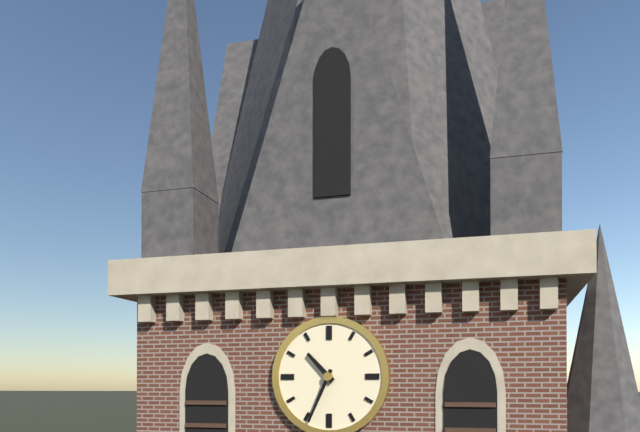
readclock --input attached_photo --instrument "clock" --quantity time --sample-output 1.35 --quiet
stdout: 10.34
